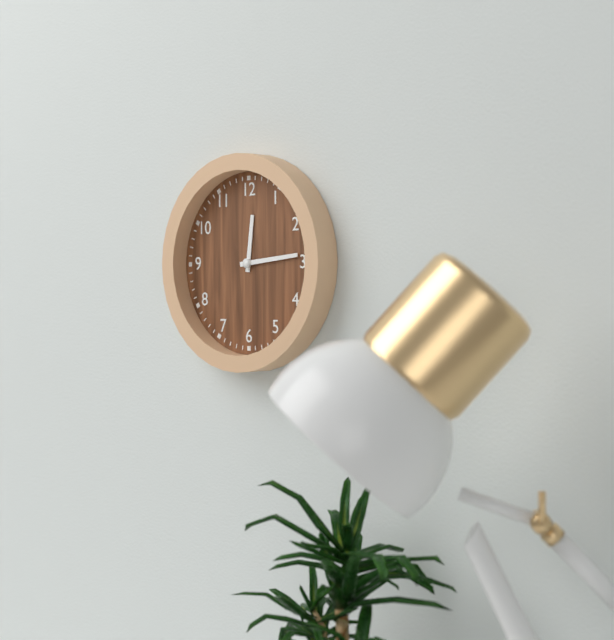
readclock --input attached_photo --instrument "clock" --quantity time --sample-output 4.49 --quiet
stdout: 12.14
